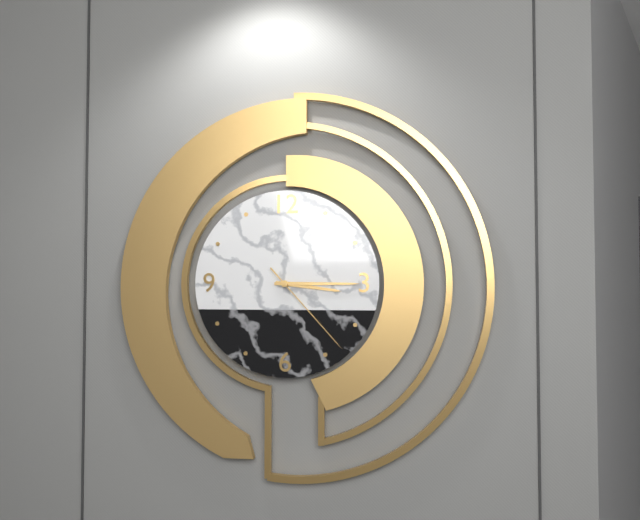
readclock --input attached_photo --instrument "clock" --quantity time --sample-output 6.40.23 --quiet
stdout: 3.15.23
